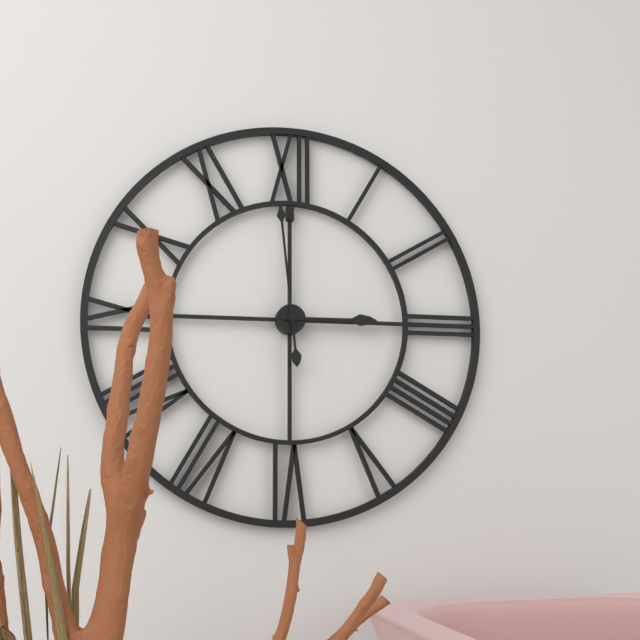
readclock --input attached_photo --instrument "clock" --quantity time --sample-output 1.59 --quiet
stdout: 2.59
